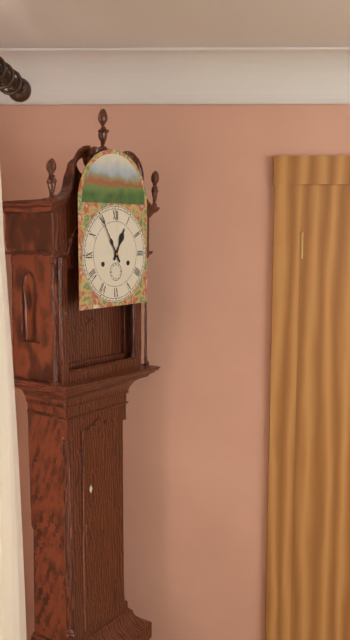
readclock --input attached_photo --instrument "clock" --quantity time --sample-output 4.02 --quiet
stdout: 12.55
